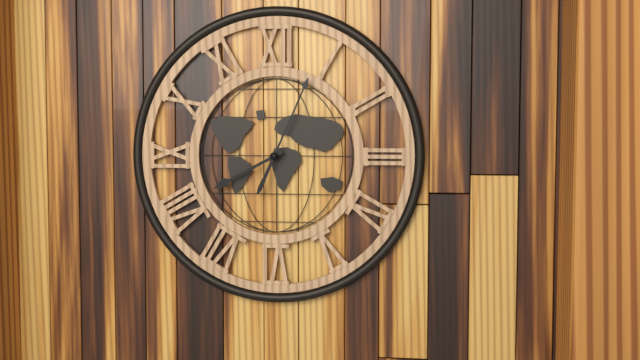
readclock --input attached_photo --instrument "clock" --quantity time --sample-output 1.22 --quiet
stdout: 8.04
